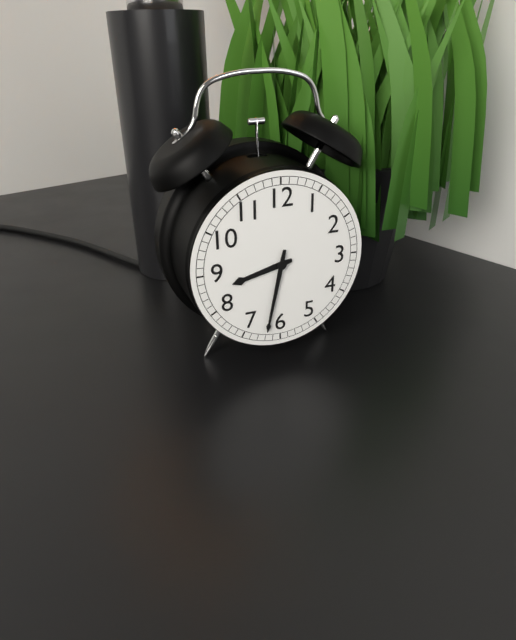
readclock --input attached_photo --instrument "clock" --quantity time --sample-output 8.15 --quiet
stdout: 8.32
